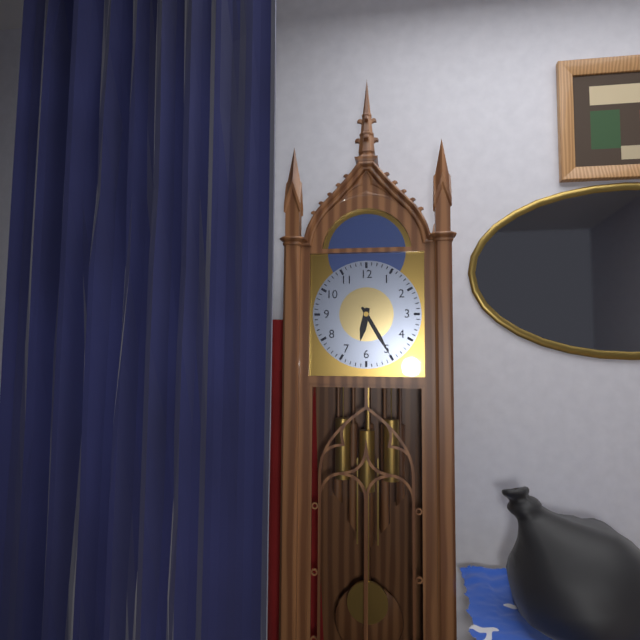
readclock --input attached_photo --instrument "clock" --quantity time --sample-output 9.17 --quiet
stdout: 6.25
